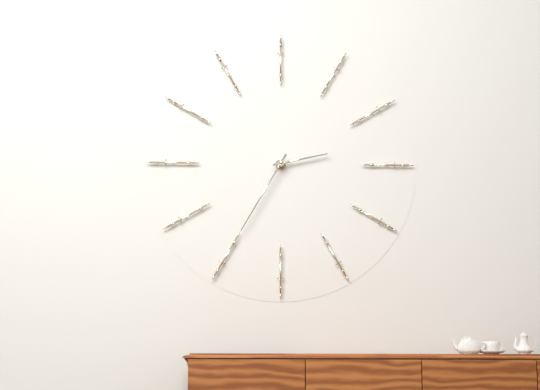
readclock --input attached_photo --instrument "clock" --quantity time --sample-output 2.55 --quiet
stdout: 2.35
